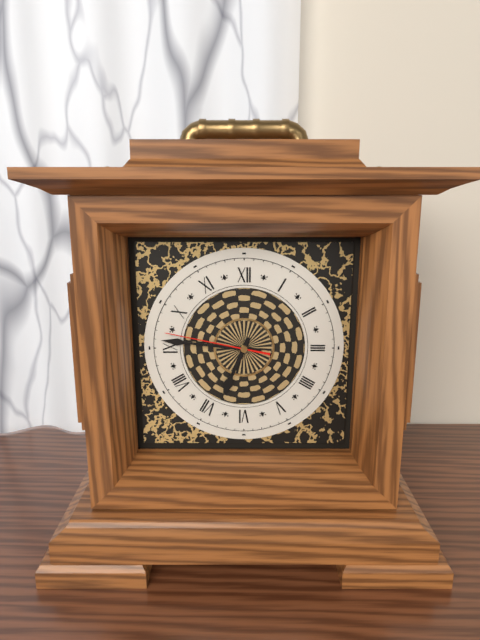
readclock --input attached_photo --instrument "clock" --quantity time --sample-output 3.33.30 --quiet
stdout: 6.46.47
